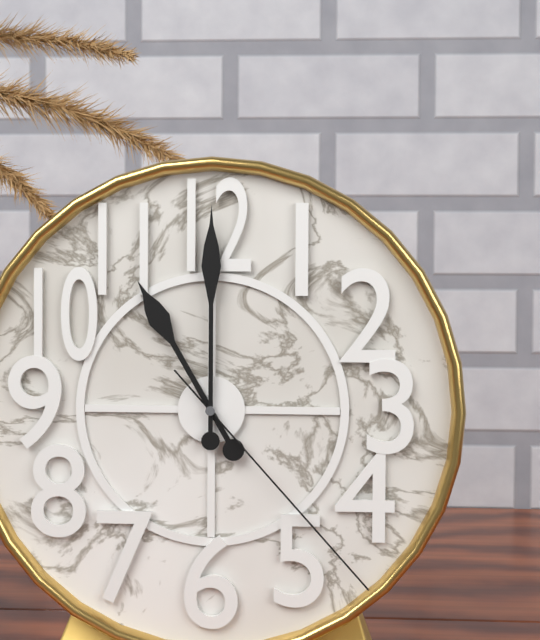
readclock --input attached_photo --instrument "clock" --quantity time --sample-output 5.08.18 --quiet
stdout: 11.00.23
